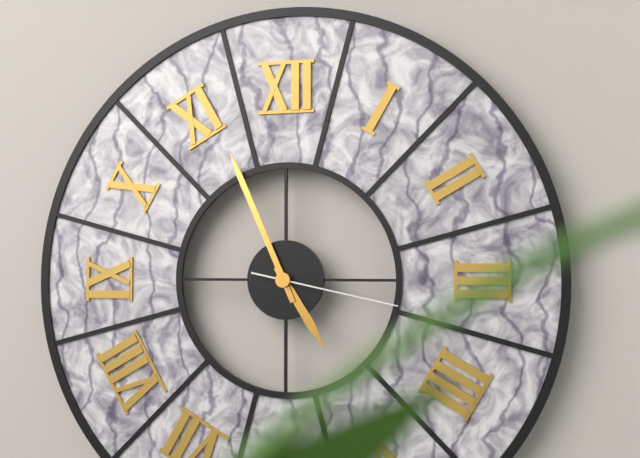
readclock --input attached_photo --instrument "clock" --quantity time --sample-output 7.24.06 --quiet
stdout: 4.56.17
